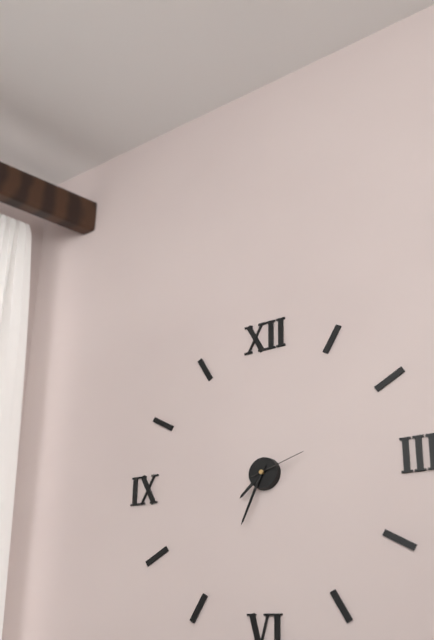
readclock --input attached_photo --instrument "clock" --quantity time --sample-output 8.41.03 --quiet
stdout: 7.34.12
